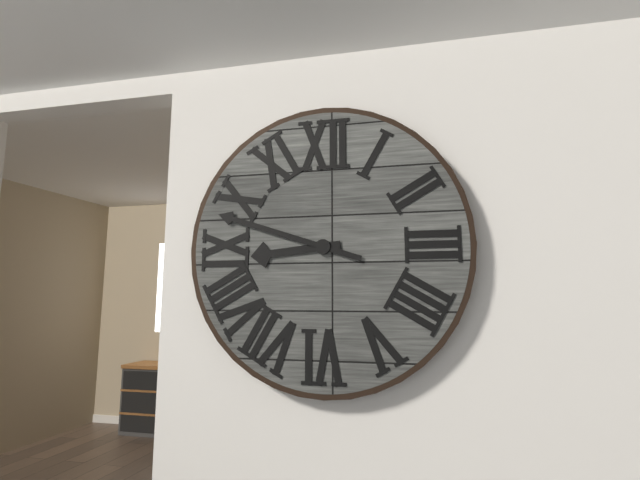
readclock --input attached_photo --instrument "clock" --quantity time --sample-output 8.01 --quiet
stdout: 8.48
